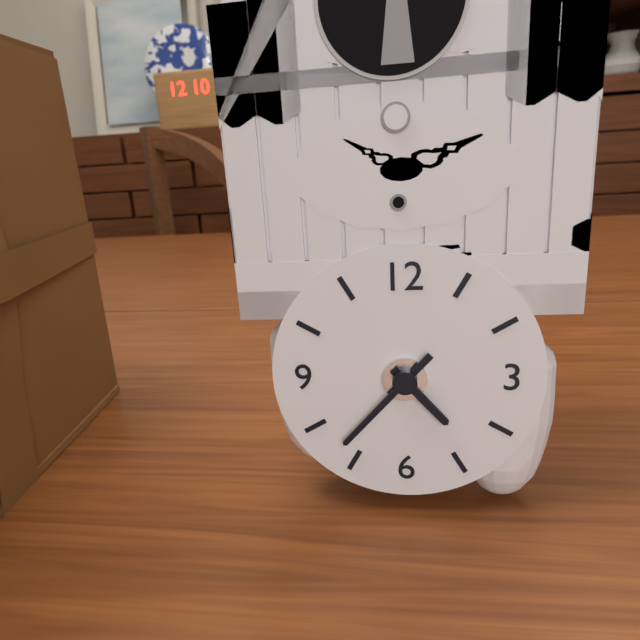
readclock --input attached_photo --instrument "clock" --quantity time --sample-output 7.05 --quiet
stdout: 4.37
